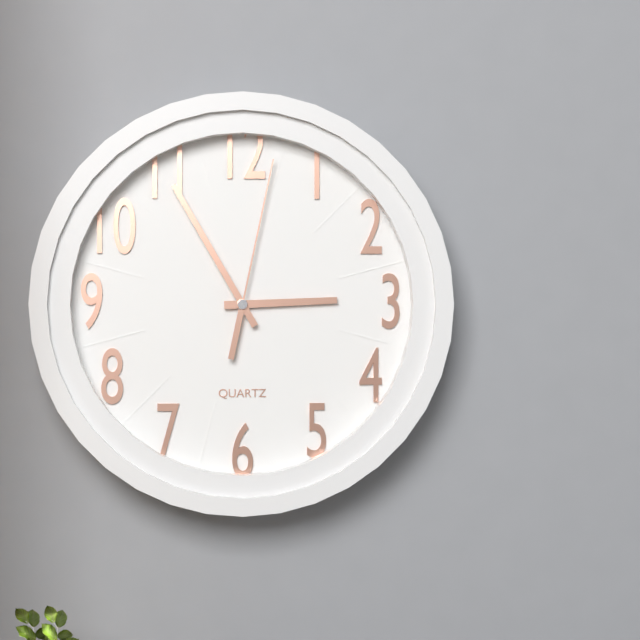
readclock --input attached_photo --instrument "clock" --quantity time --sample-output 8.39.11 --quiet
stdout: 2.55.02
